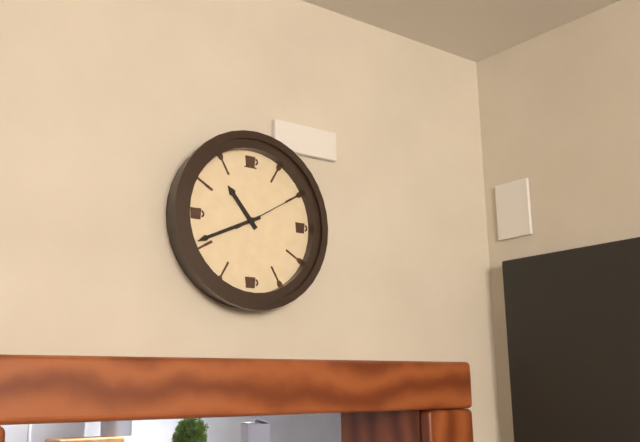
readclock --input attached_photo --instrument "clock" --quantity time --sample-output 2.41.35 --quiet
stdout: 10.41.10
